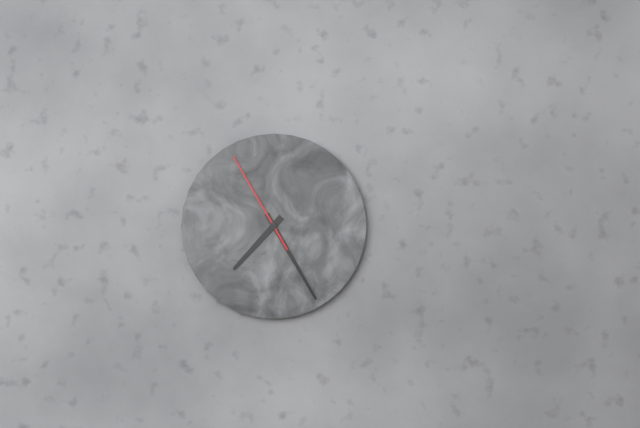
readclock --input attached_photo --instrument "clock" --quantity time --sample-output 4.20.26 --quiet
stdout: 7.25.55
